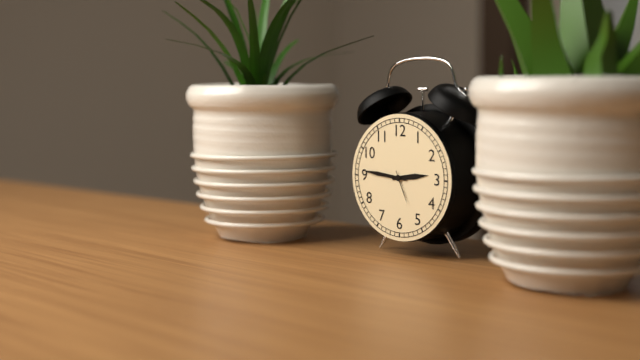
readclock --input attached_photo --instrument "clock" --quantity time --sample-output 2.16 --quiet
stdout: 2.46
